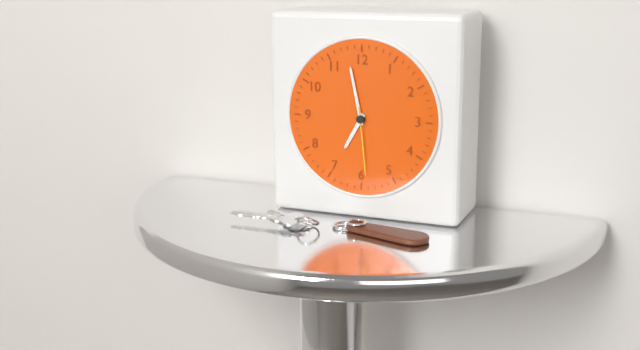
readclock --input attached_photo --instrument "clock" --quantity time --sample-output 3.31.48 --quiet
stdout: 6.58.29
